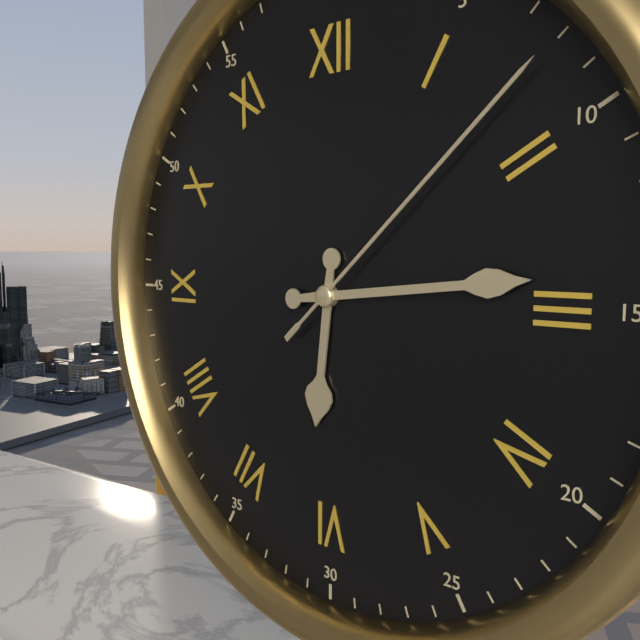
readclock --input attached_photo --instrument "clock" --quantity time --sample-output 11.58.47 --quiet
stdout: 6.14.08
